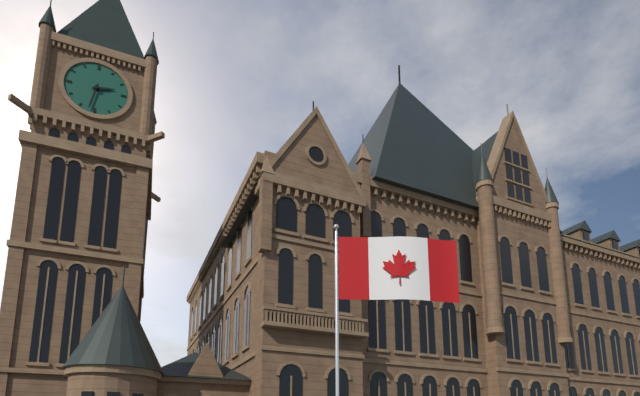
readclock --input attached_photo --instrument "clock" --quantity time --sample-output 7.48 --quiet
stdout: 2.32
